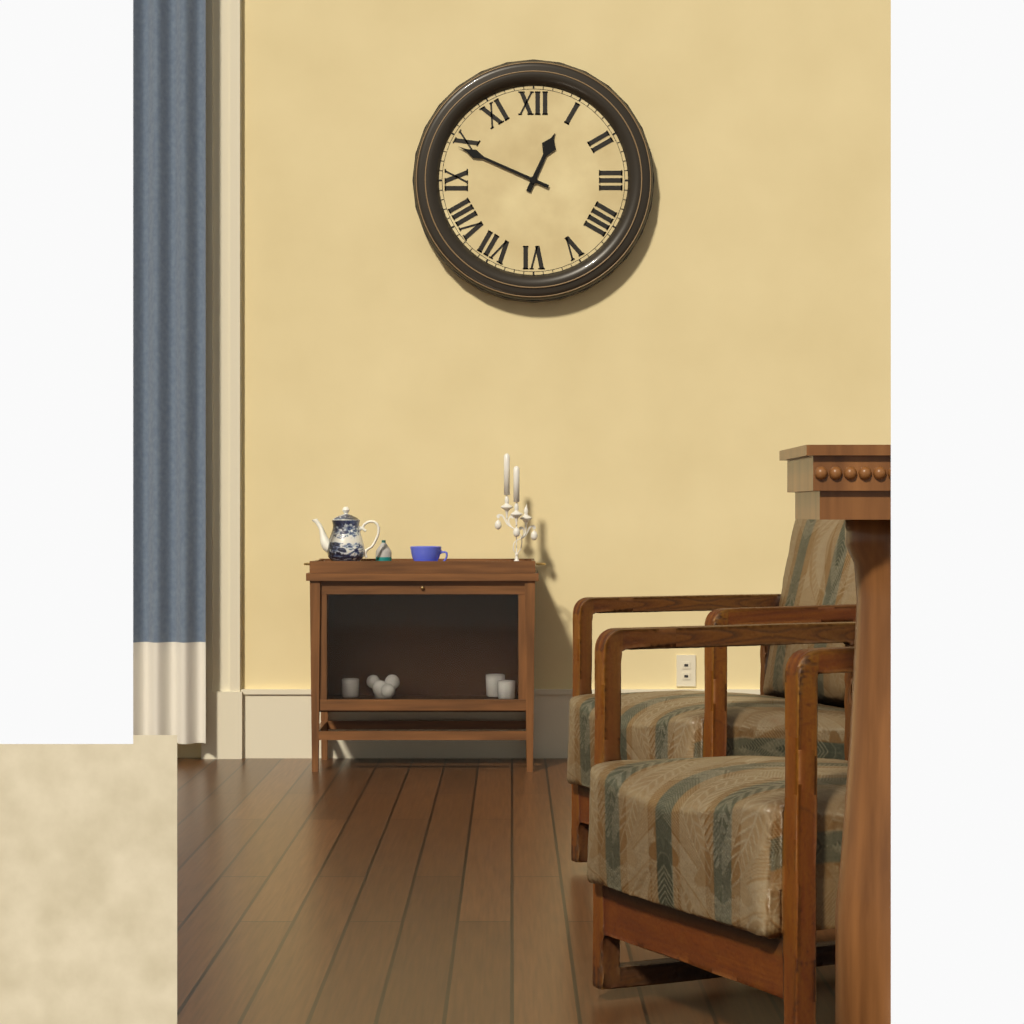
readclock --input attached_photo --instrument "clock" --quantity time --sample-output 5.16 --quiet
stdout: 12.49
